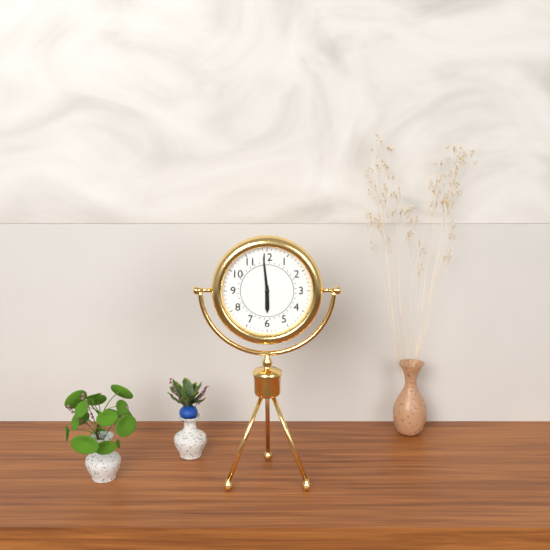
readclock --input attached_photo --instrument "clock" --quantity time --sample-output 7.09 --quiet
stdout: 5.59
